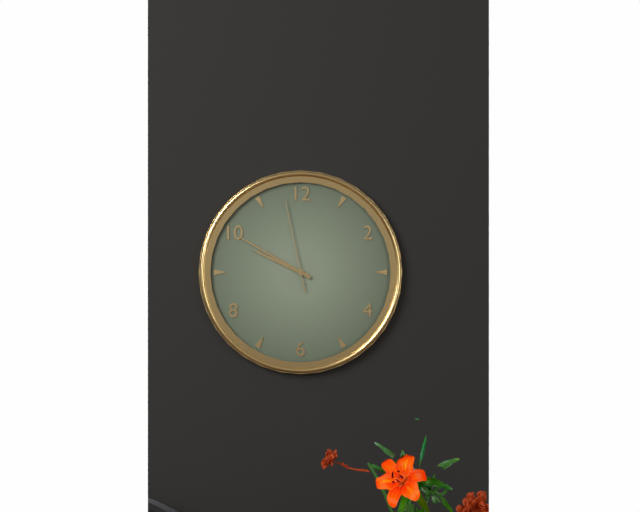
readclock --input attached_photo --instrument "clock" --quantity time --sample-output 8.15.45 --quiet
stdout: 9.50.58
